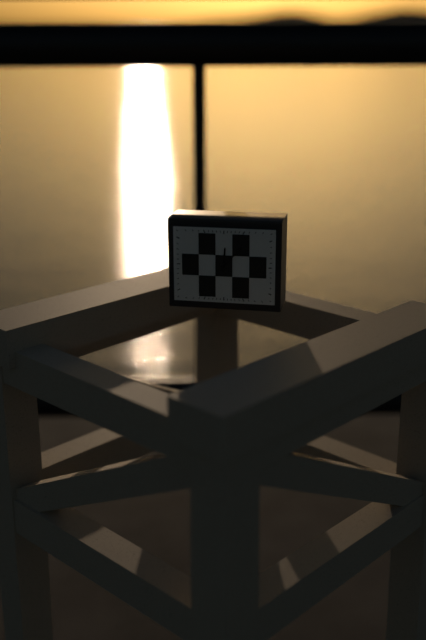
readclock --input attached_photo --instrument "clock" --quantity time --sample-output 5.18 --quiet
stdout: 12.07
